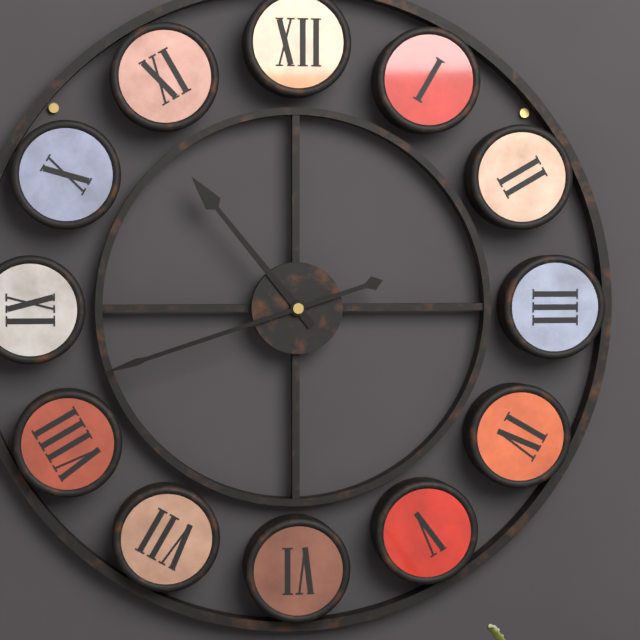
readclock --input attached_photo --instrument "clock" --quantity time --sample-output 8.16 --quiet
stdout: 10.42
